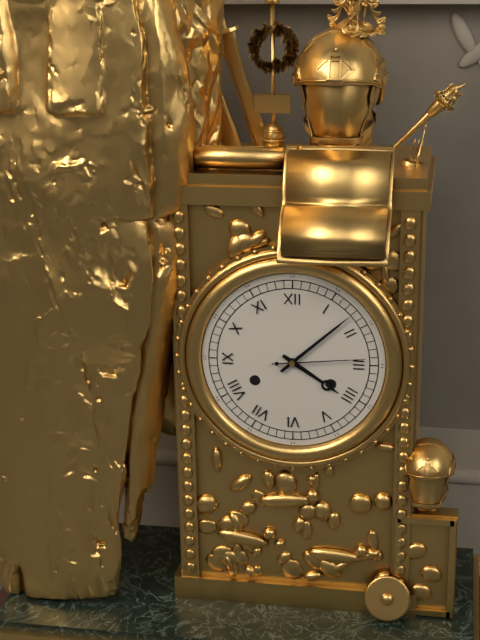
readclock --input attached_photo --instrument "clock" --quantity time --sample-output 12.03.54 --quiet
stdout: 4.08.14
